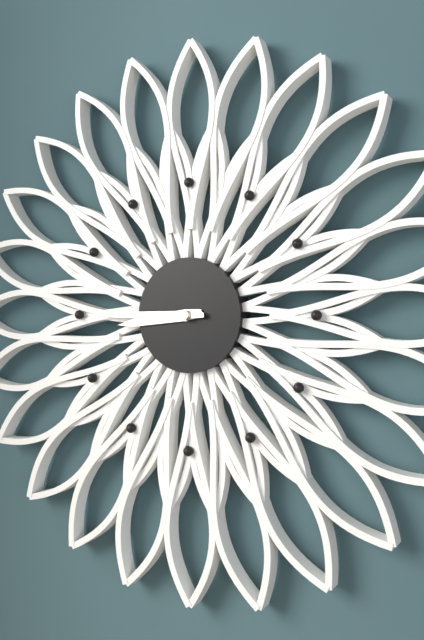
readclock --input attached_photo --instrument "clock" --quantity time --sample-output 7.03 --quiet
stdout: 8.45
